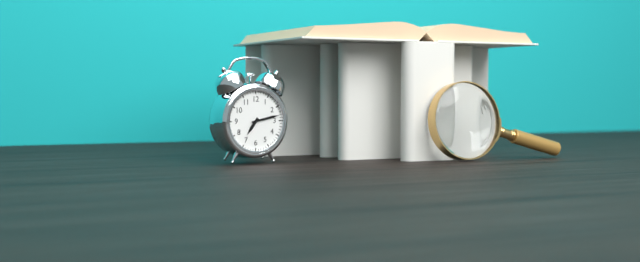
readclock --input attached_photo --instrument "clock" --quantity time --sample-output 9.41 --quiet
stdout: 7.13
